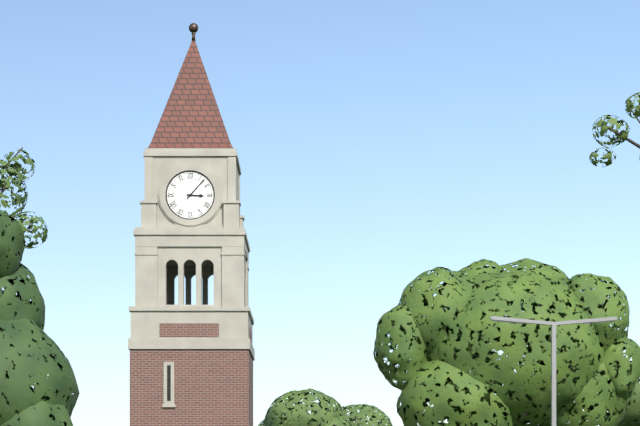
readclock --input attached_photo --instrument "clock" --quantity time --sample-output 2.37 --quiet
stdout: 3.07
